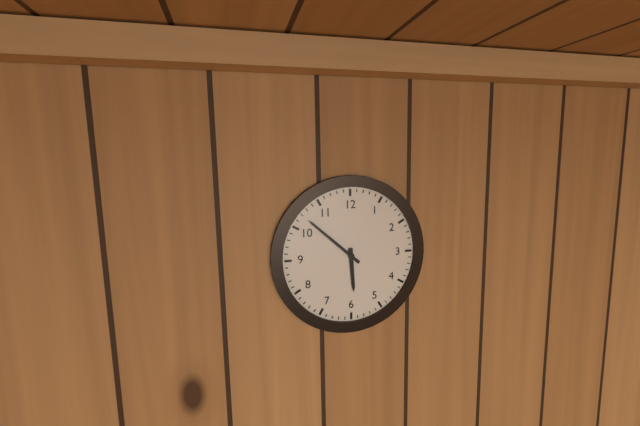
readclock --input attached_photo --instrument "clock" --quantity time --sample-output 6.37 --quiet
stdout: 5.52
